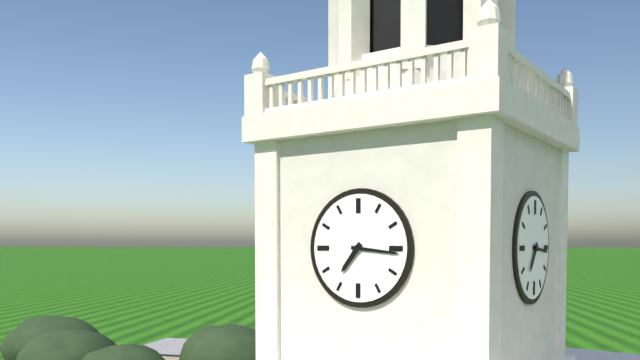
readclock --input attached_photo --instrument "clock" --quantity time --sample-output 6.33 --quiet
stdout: 7.16
